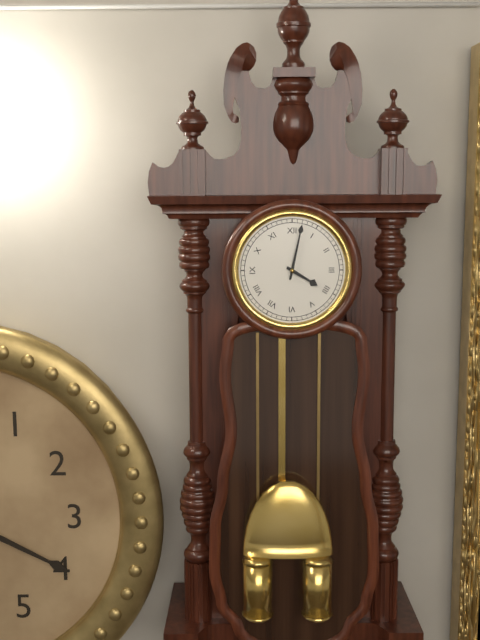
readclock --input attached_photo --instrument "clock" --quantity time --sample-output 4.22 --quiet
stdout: 4.02
